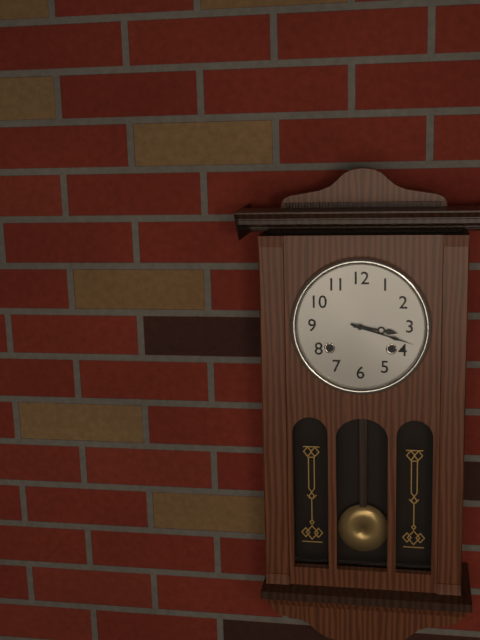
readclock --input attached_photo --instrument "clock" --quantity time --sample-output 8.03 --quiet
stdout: 3.18
